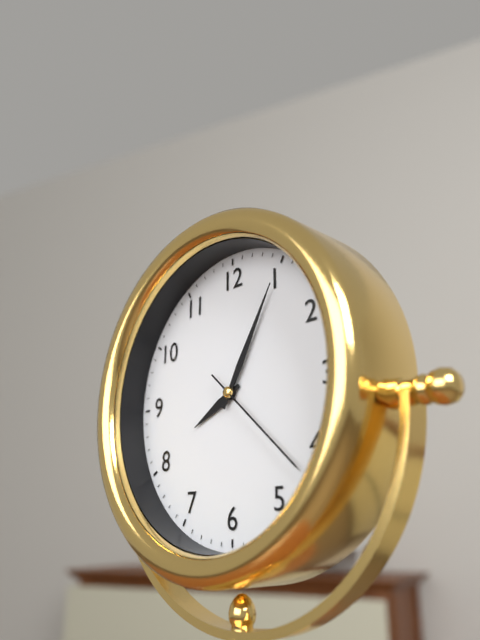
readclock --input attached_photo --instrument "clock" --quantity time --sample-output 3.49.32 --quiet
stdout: 8.05.22
